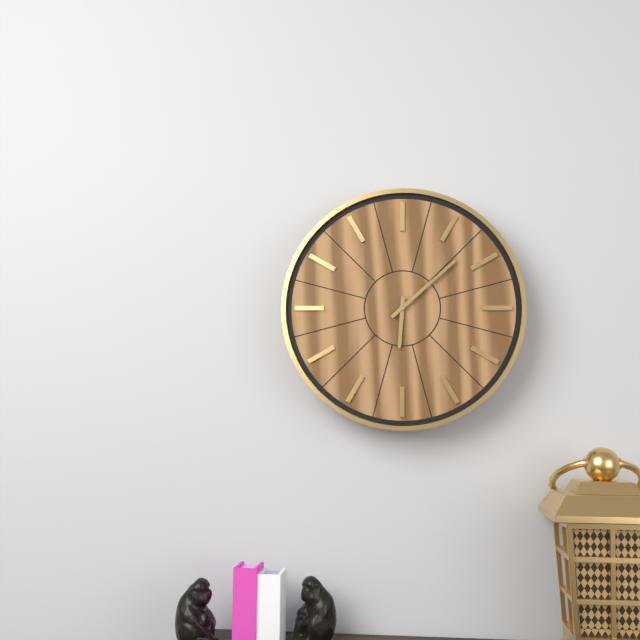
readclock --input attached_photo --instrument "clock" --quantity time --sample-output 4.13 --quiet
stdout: 6.08
